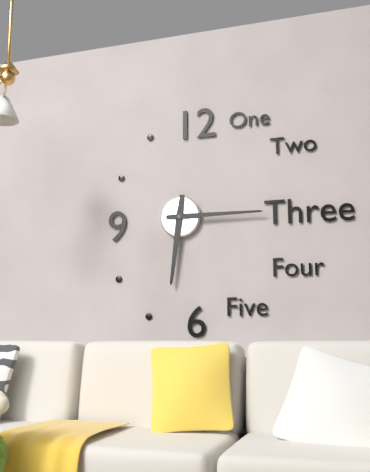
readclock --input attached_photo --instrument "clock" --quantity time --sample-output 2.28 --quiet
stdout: 6.15
